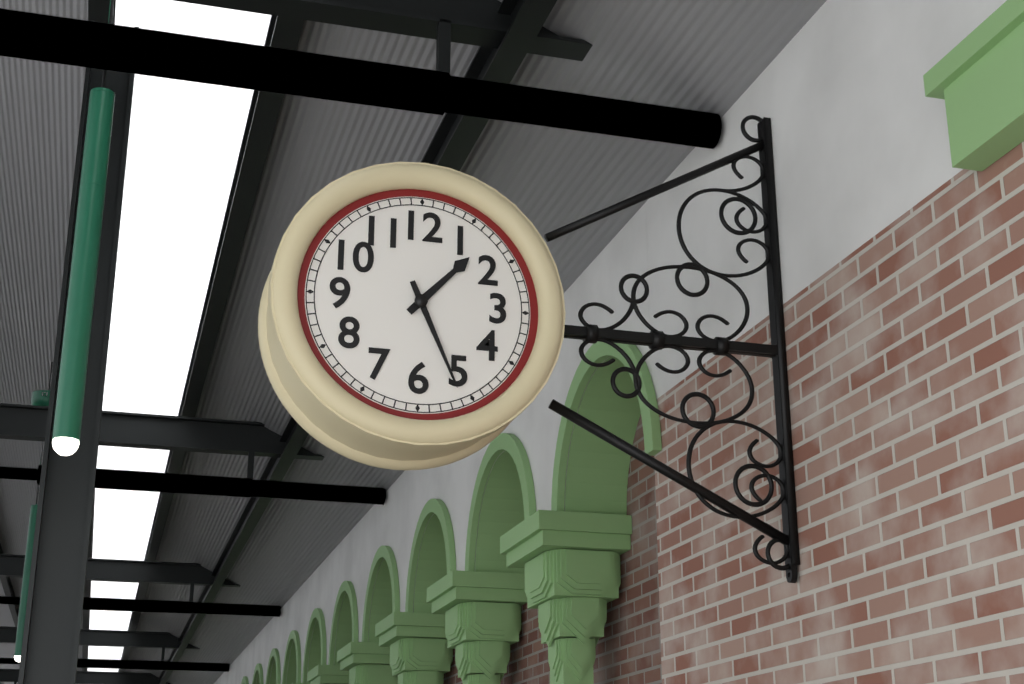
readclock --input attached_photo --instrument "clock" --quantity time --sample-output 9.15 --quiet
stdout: 1.26
